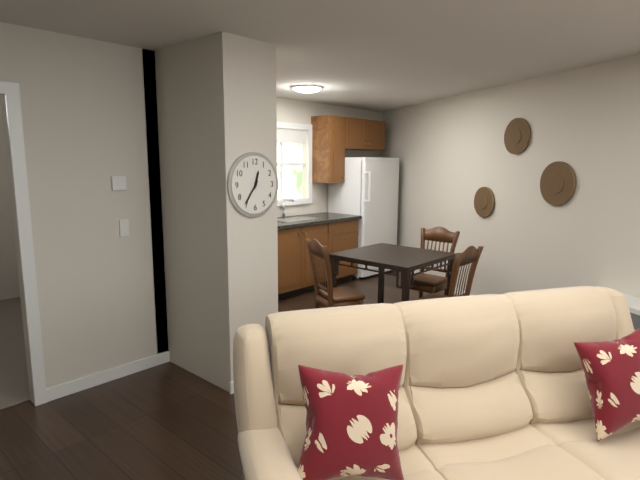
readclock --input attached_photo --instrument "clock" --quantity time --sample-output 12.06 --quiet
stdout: 12.36
